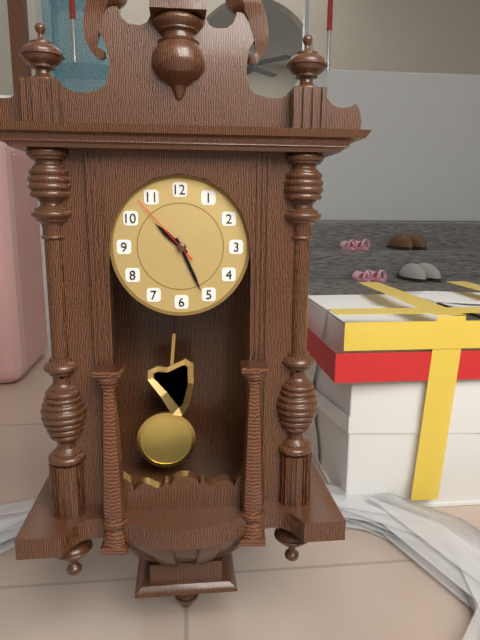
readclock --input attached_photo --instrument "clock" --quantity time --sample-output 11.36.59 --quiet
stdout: 10.26.53
